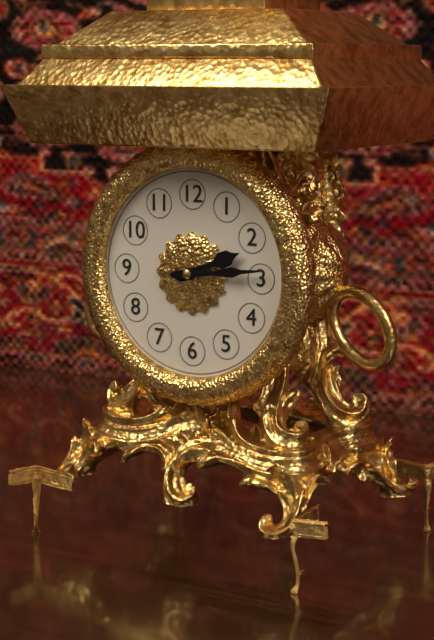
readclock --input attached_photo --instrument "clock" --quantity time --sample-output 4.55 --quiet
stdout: 2.14
